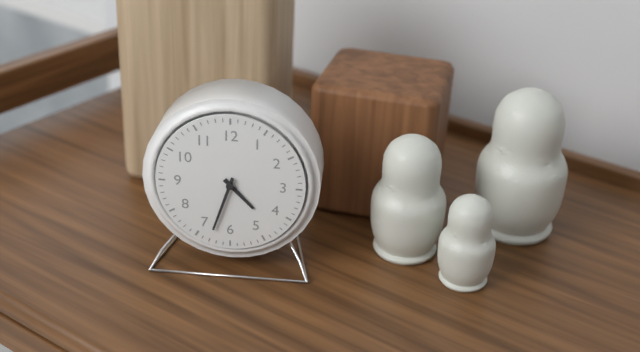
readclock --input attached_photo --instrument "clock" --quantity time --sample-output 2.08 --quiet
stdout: 4.33
